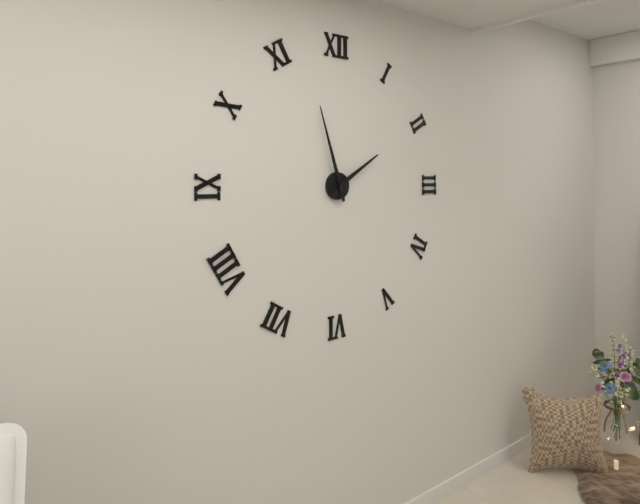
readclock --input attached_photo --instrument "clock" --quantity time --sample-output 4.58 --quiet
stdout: 1.57
